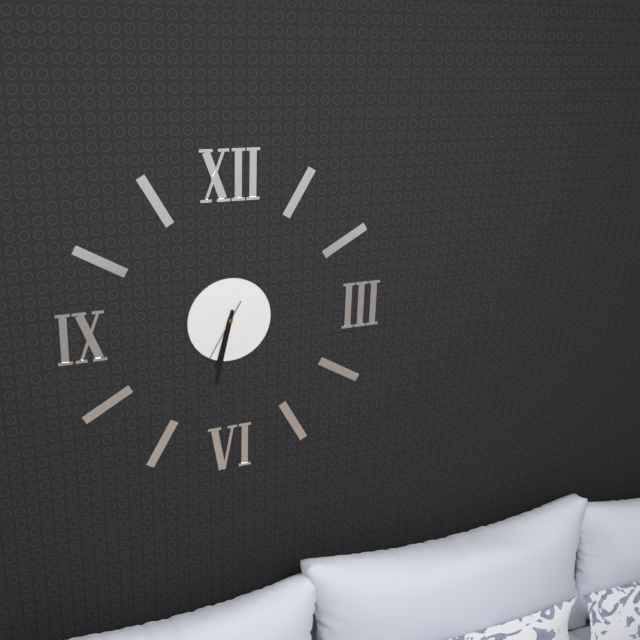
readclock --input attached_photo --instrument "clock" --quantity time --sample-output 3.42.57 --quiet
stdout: 6.32.35
